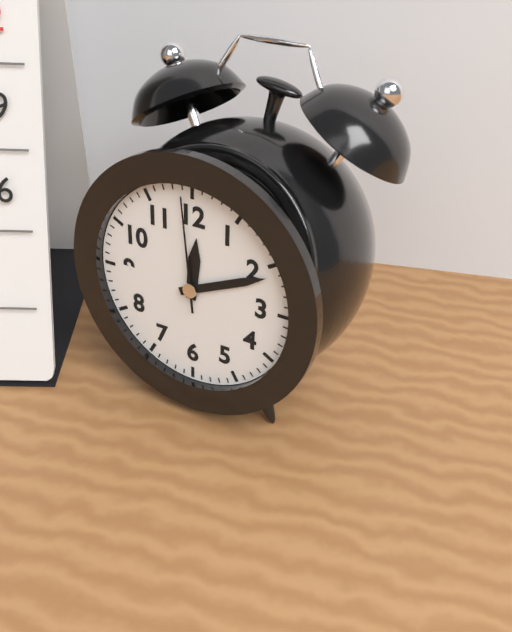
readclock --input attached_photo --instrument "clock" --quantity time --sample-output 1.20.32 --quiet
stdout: 12.11.59
